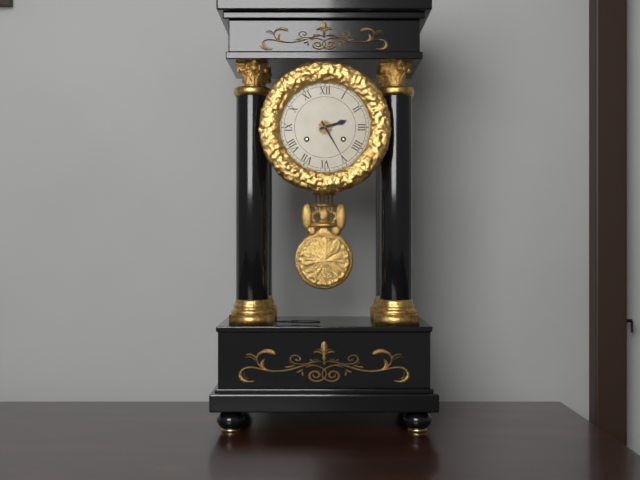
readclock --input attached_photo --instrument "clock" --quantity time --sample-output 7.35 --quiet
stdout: 2.25
